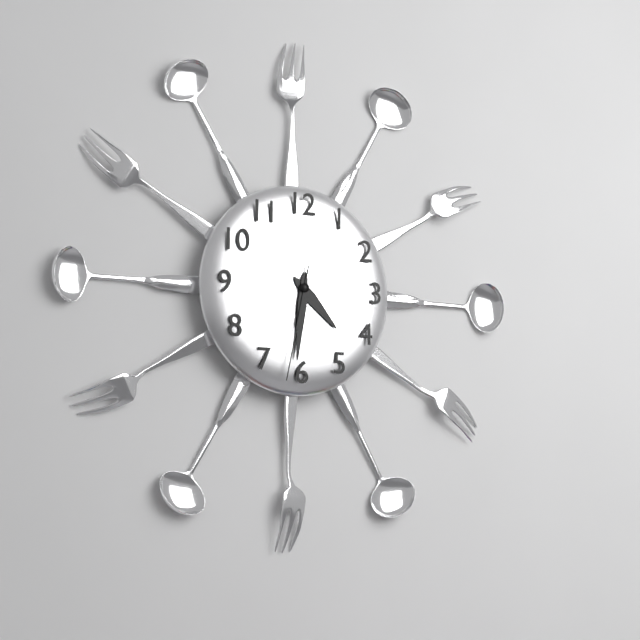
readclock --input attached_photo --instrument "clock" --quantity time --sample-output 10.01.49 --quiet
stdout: 4.31.32
